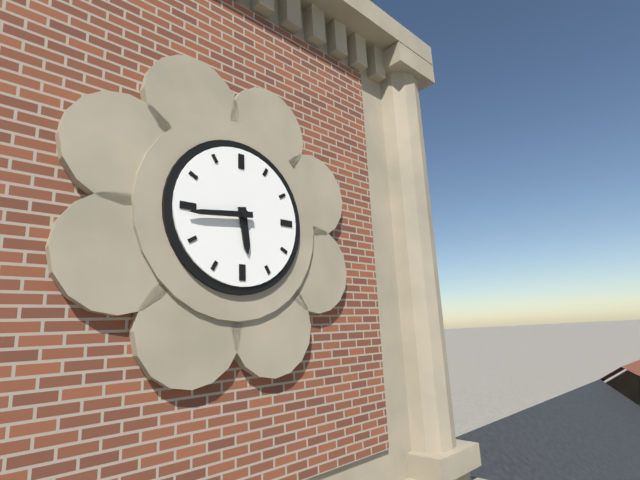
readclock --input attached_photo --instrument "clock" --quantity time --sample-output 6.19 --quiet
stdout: 5.44
